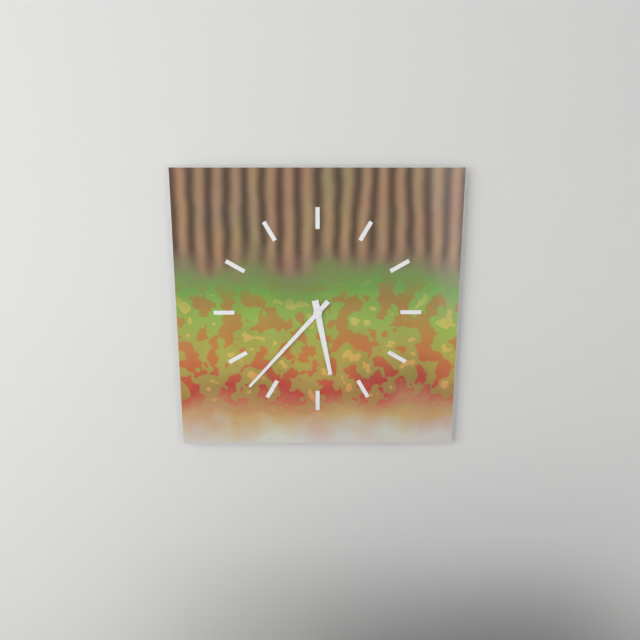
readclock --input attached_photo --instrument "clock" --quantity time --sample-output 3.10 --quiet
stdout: 5.37
